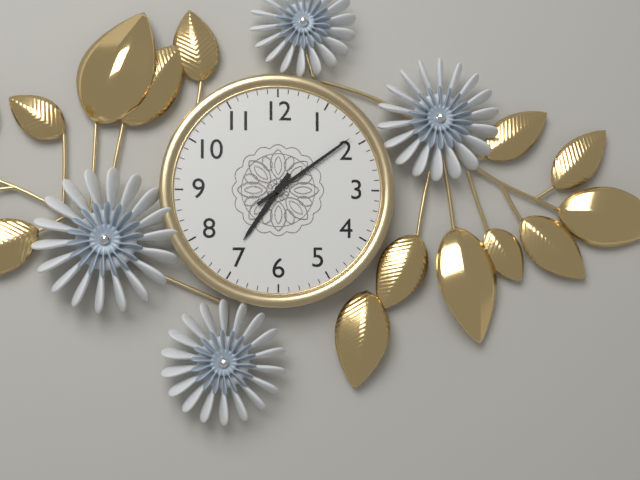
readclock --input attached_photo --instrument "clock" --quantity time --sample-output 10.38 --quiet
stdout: 7.09
